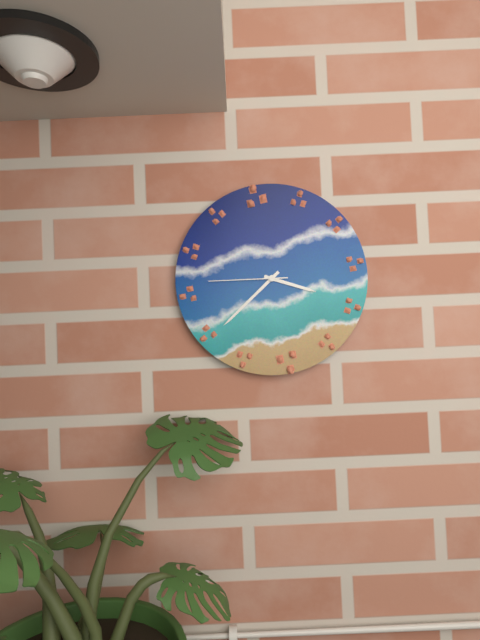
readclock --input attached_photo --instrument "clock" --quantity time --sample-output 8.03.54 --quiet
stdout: 3.38.45
